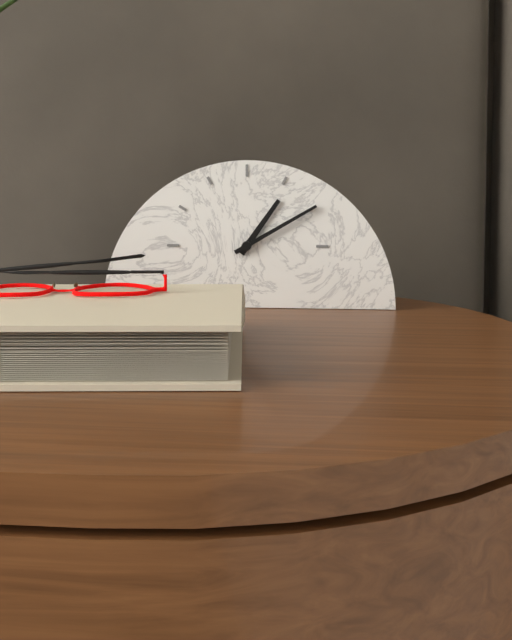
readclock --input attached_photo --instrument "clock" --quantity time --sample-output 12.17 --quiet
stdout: 1.10
